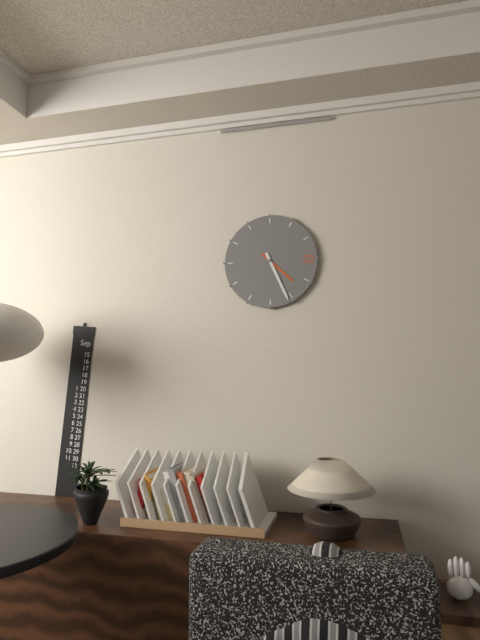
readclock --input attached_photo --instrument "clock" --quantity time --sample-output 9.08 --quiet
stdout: 4.26
